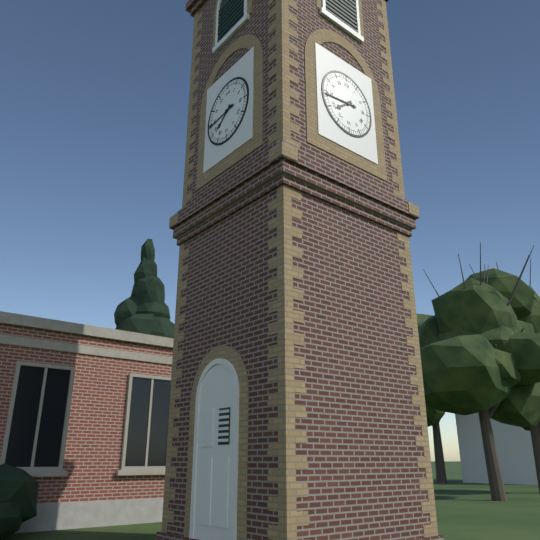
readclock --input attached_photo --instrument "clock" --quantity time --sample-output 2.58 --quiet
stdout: 7.44
